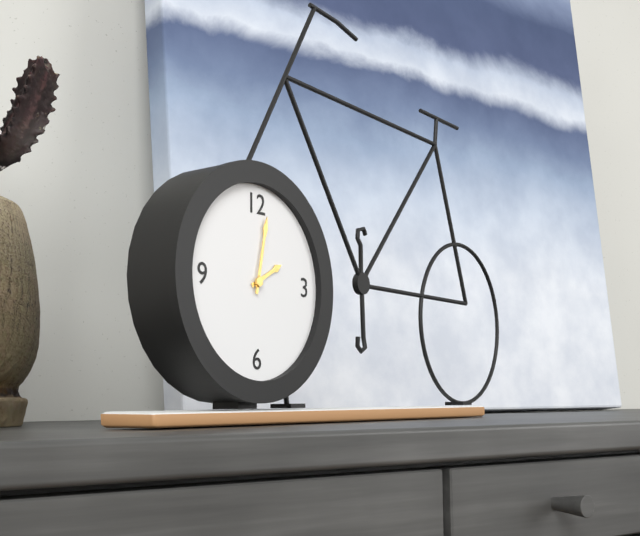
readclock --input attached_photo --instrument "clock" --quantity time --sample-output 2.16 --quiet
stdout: 2.02
